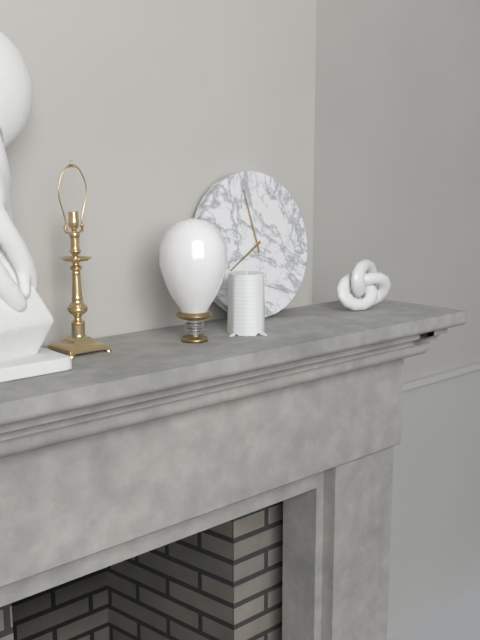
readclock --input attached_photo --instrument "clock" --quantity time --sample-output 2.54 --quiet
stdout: 7.58
